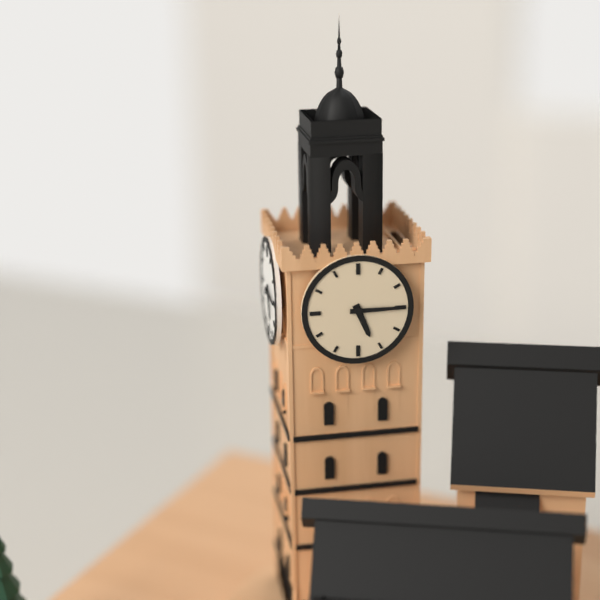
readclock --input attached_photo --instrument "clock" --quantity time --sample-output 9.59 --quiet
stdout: 5.15
